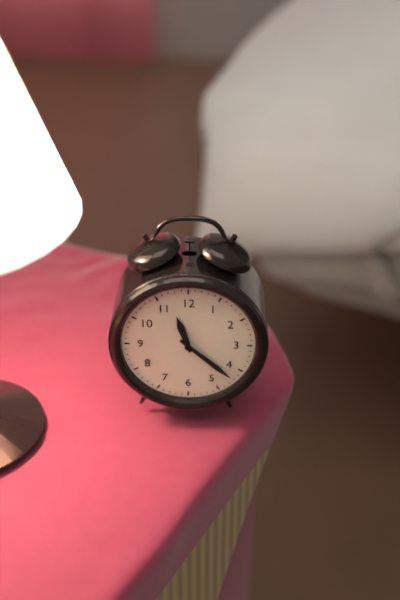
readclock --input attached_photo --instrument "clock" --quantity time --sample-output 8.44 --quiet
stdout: 11.22
